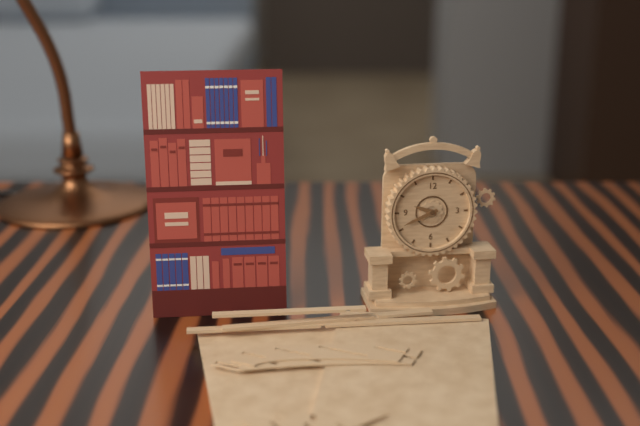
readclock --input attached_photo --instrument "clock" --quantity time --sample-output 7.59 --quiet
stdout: 9.41
